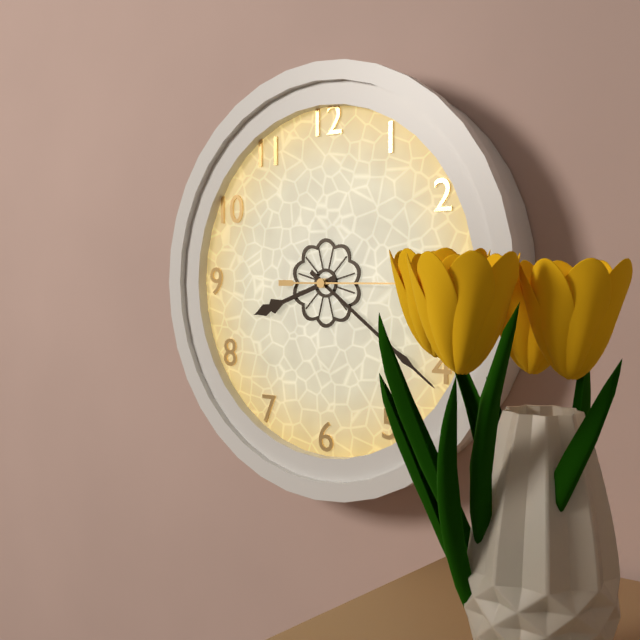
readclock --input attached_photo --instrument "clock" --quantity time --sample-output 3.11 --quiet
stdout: 8.21
